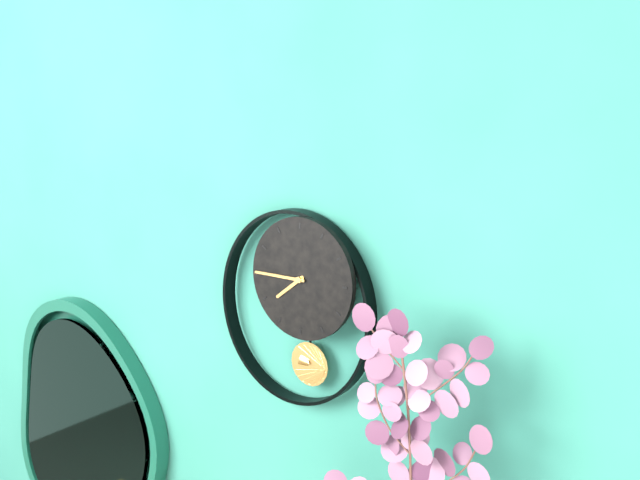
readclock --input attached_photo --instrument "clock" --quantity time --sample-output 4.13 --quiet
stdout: 7.45
